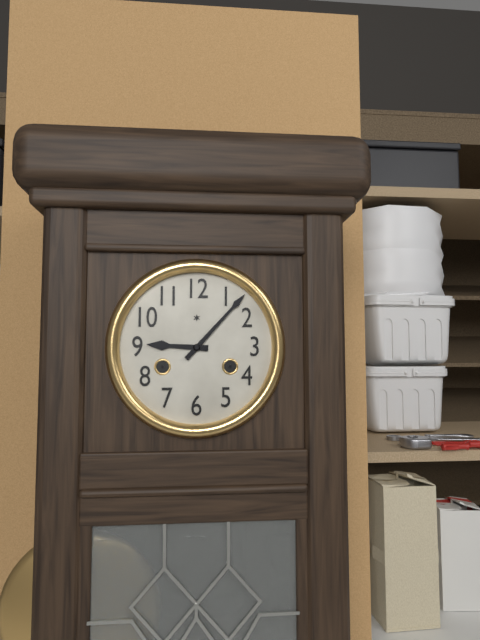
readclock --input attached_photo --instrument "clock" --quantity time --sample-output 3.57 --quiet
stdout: 9.07
